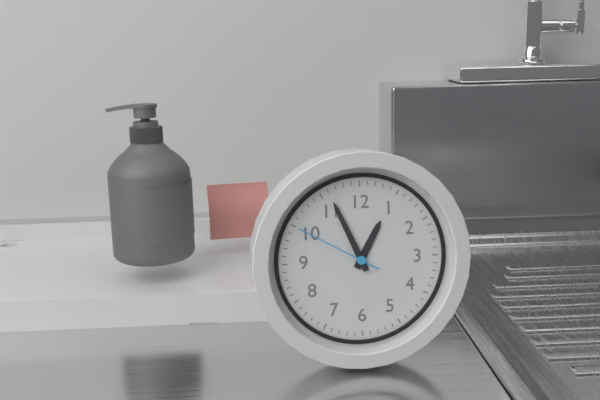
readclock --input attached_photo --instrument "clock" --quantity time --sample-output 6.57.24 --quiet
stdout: 12.56.50
